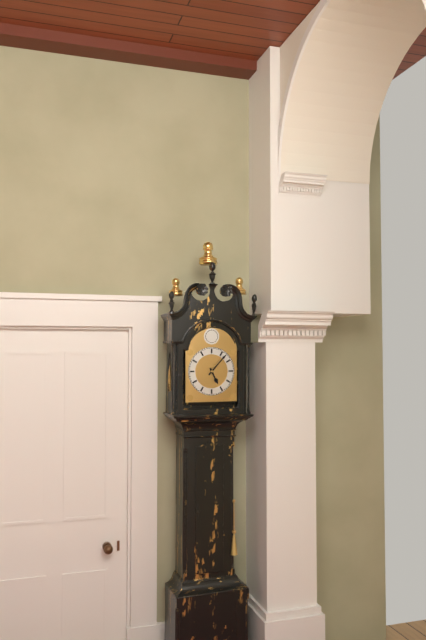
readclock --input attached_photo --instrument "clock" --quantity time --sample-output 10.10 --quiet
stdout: 5.07
